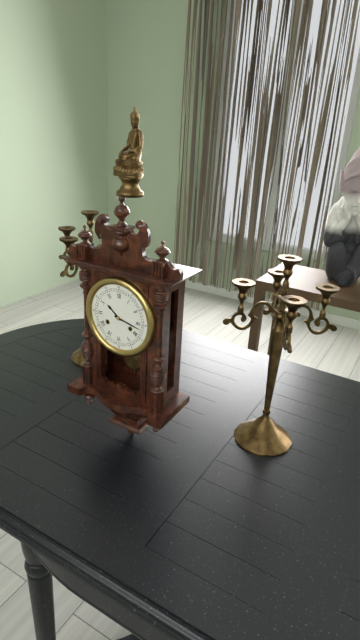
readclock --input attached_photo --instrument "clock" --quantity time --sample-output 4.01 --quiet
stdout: 10.17
